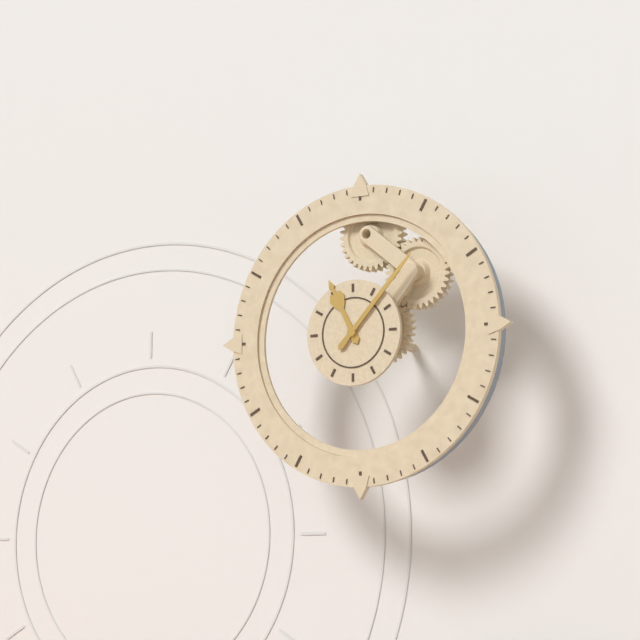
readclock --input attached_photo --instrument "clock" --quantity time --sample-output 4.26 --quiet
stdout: 11.07
